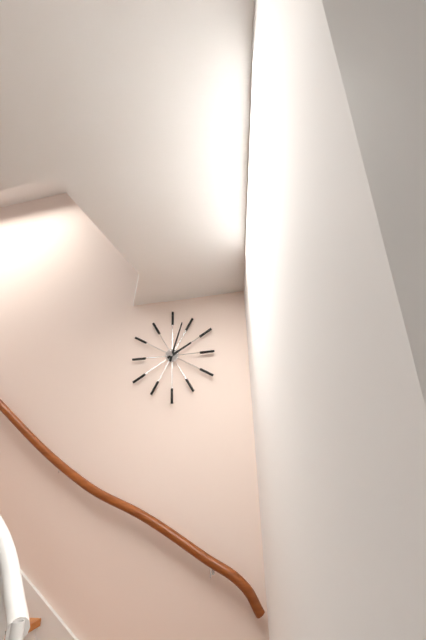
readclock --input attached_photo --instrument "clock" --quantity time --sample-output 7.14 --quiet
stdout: 2.03
